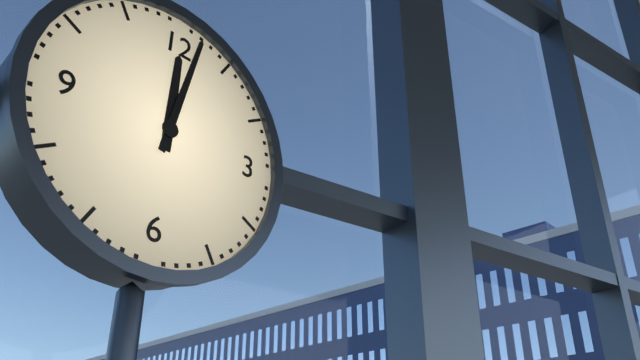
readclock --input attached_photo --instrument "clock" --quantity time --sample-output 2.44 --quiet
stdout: 12.02
